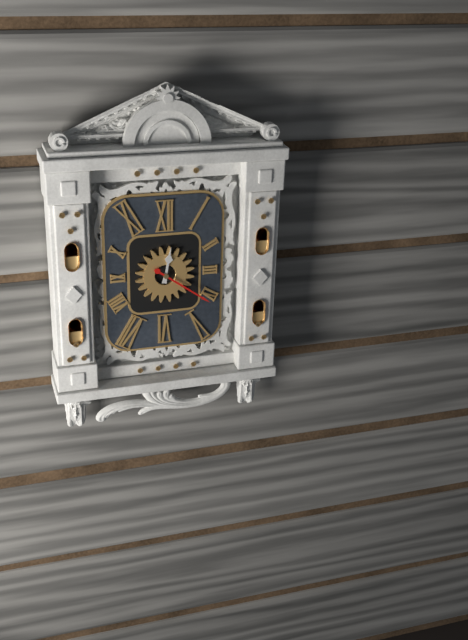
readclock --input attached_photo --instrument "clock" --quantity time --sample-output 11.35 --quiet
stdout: 12.21
